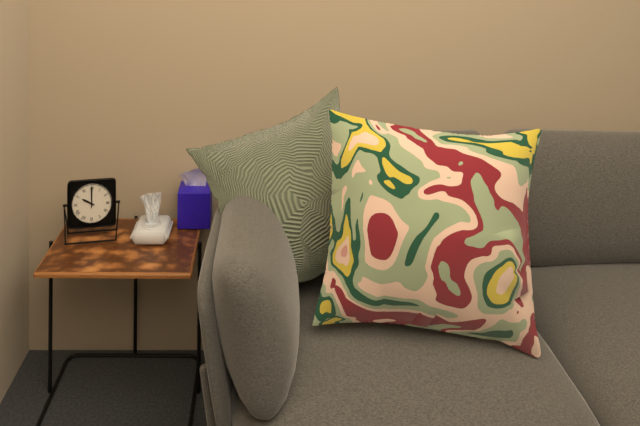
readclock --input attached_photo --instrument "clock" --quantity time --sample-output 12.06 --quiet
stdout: 10.00
